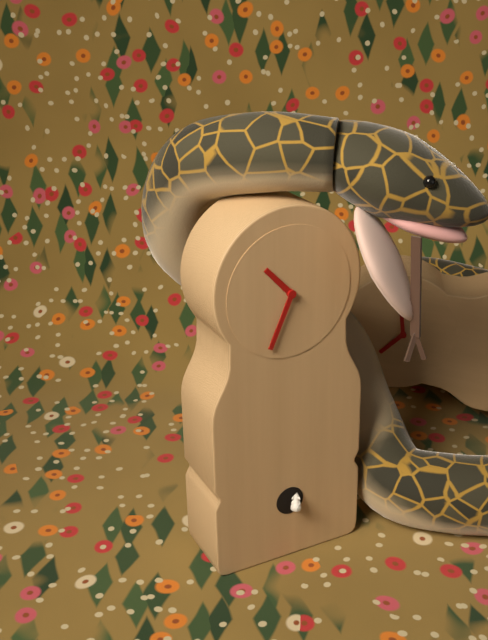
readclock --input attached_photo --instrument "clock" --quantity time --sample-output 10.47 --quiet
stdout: 10.34
